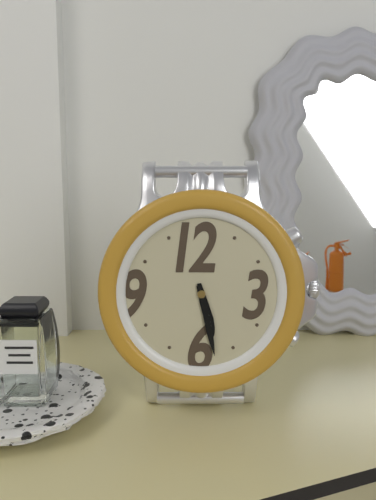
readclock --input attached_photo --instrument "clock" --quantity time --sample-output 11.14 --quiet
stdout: 5.28
